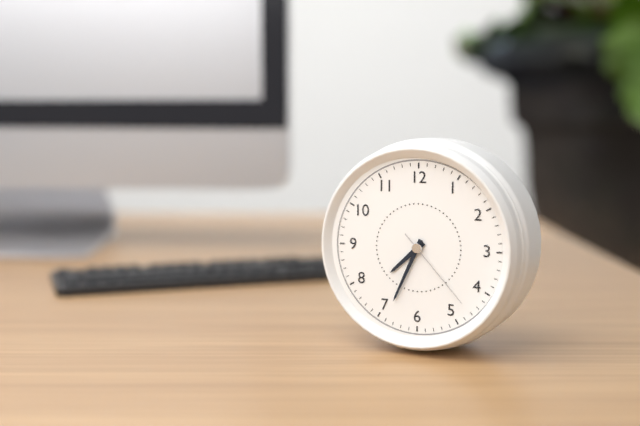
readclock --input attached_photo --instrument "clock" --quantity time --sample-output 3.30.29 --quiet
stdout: 7.34.23
